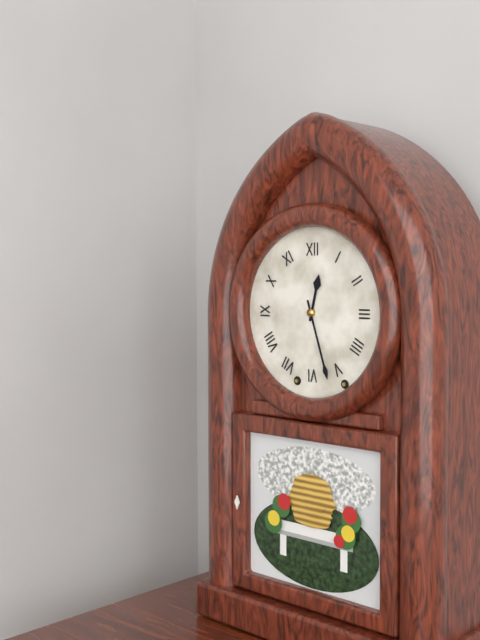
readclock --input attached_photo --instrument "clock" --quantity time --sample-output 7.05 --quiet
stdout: 12.27
